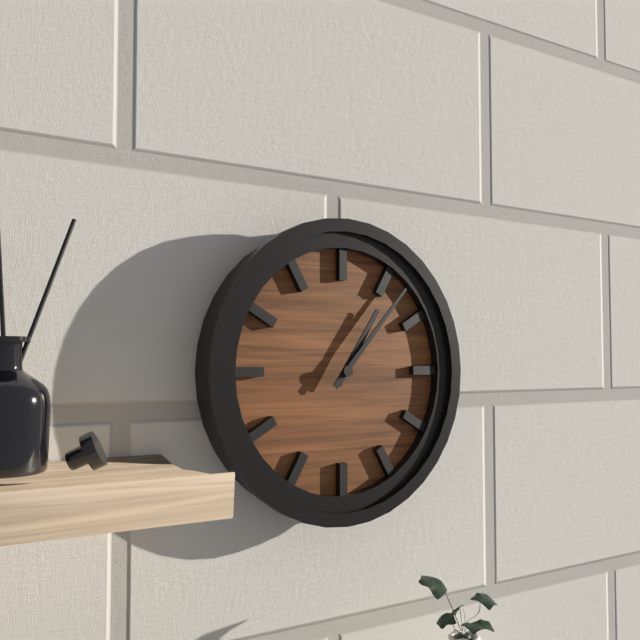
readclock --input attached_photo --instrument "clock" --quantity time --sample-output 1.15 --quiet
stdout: 1.07
